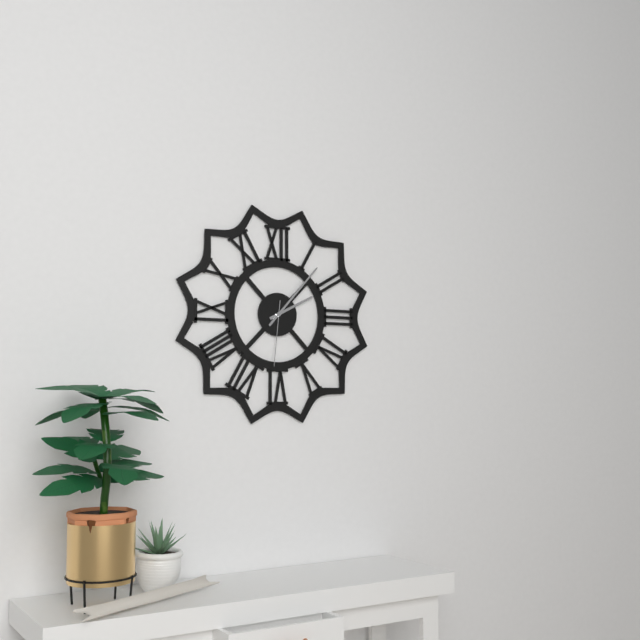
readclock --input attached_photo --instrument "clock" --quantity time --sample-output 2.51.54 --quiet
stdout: 2.07.31
